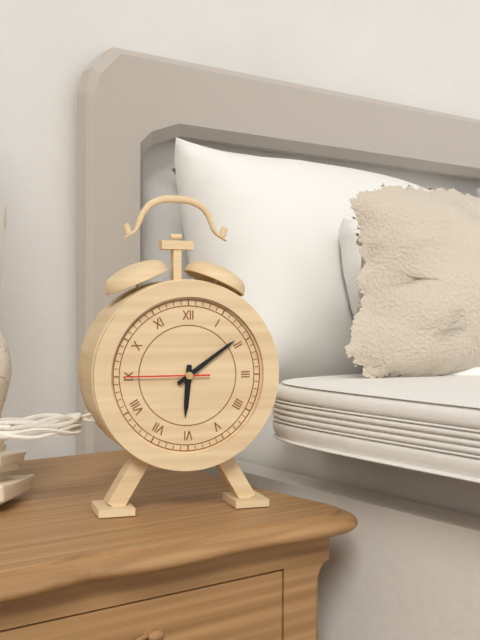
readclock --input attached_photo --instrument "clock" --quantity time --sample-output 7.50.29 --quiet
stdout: 6.09.45
